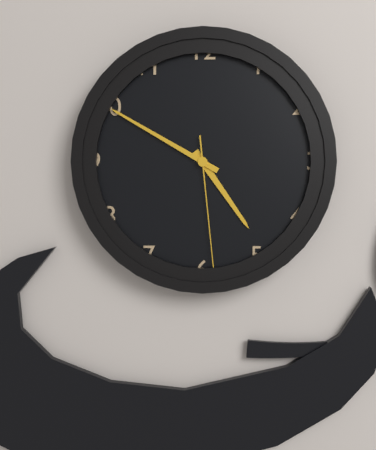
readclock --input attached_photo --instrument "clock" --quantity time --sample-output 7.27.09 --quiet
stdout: 4.50.29
